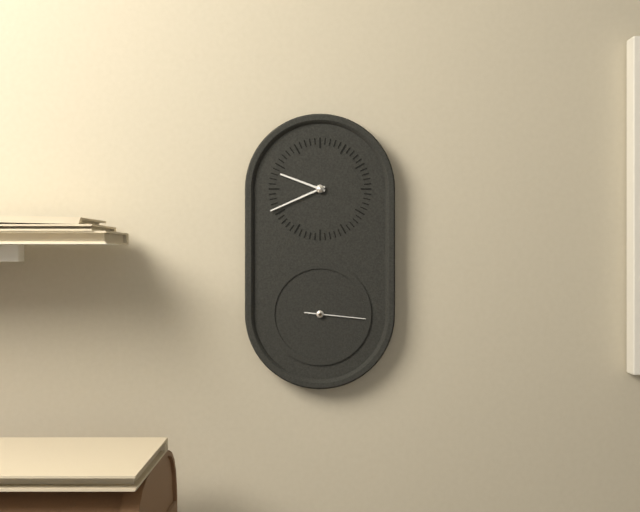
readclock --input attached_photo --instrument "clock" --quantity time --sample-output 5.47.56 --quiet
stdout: 9.41.16
